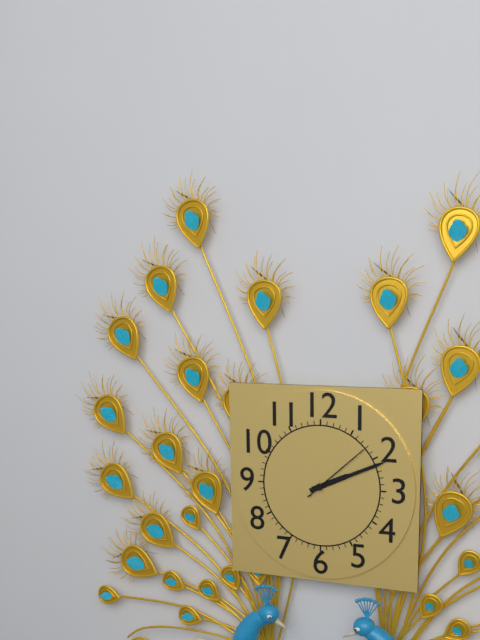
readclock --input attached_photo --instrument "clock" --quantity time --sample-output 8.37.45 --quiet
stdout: 2.11.08
